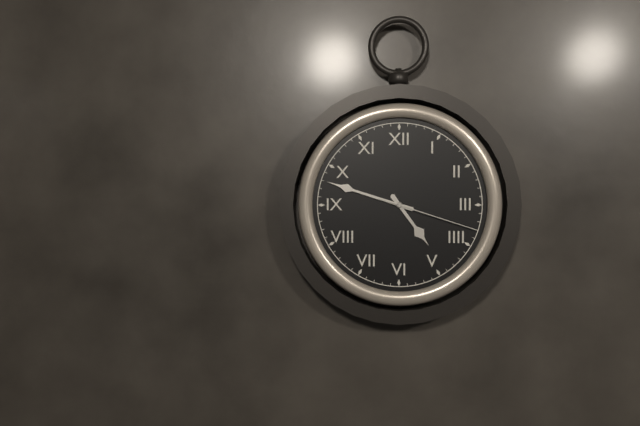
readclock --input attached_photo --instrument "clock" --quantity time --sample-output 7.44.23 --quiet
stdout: 4.48.18
